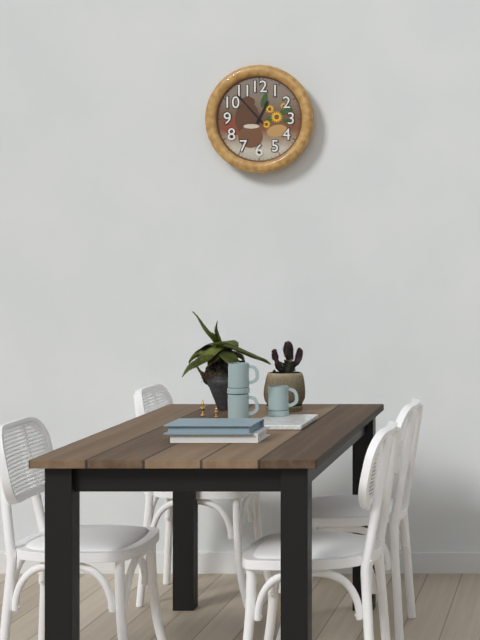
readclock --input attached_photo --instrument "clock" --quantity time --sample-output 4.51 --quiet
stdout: 12.53
